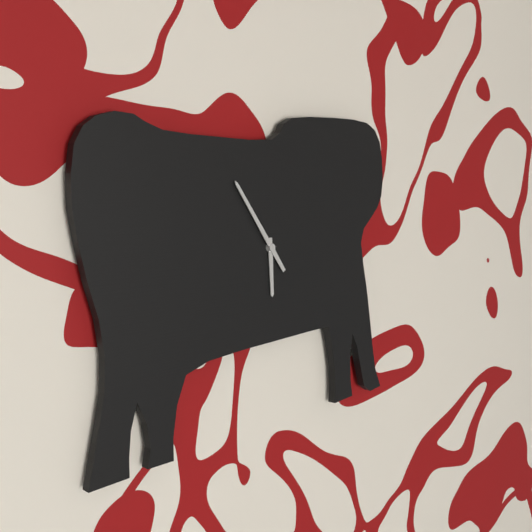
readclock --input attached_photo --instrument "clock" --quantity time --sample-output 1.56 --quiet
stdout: 5.54
